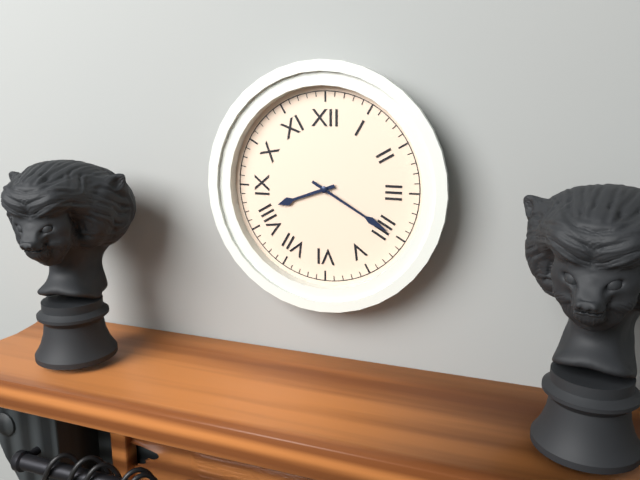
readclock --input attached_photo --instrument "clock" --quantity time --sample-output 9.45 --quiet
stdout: 8.20
